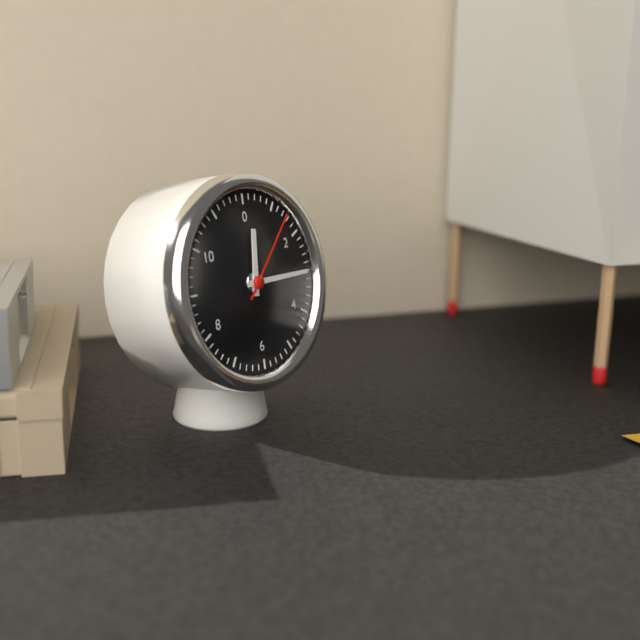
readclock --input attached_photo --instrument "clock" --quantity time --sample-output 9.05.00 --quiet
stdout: 12.15.07
